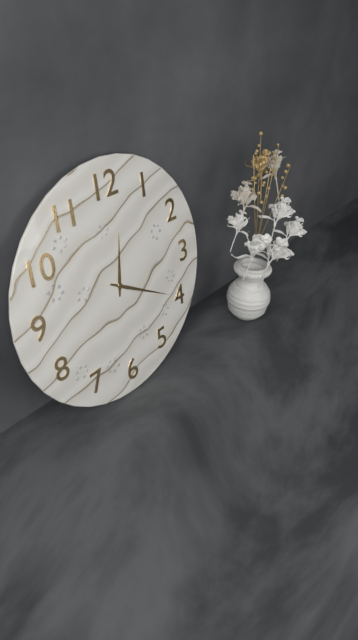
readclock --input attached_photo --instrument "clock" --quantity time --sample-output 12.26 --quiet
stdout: 12.20
